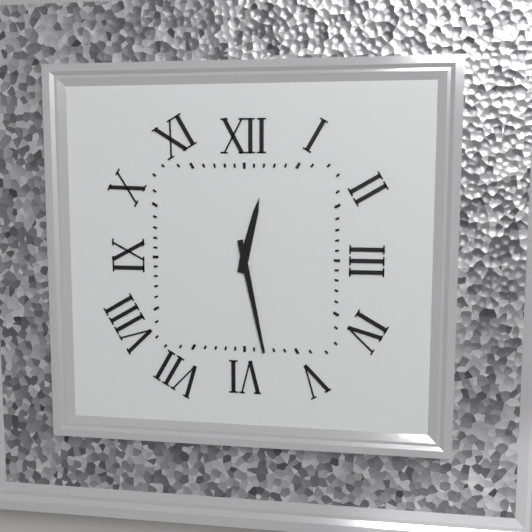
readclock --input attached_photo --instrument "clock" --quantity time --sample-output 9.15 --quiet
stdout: 12.28
